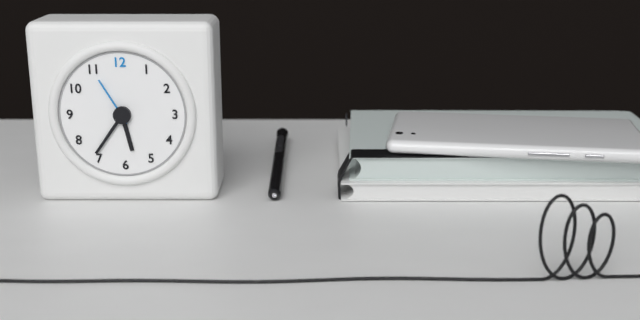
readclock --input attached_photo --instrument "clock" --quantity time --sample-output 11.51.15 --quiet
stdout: 5.36.55
